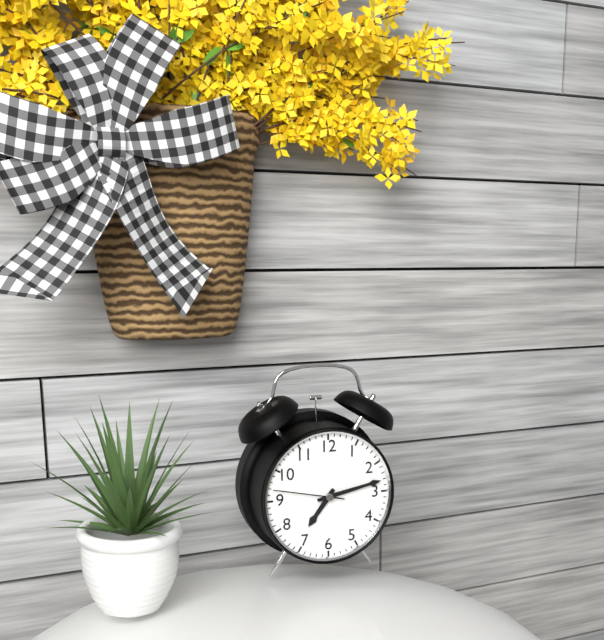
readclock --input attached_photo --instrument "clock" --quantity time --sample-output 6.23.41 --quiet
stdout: 7.13.47
